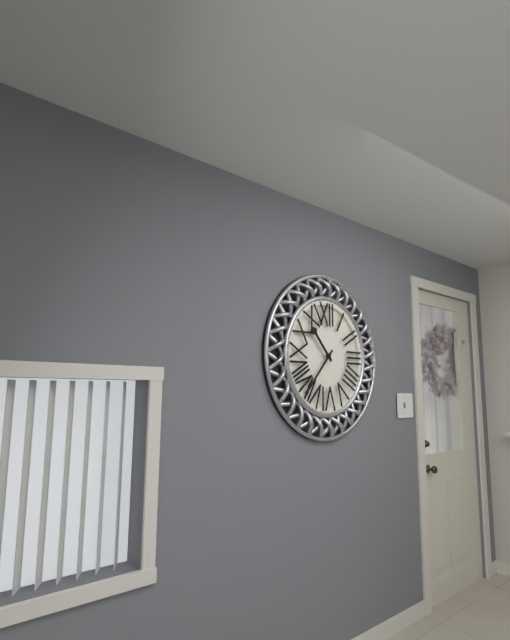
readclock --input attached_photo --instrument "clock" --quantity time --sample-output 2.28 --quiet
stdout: 10.37
